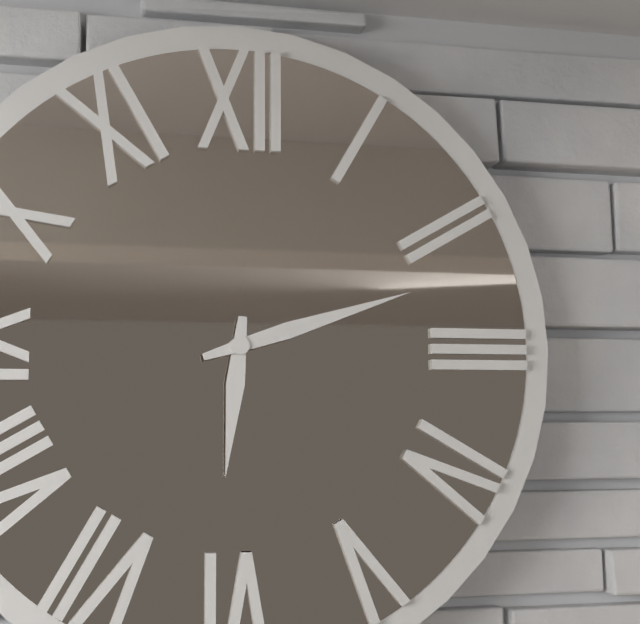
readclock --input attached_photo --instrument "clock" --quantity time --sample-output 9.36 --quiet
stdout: 6.12
